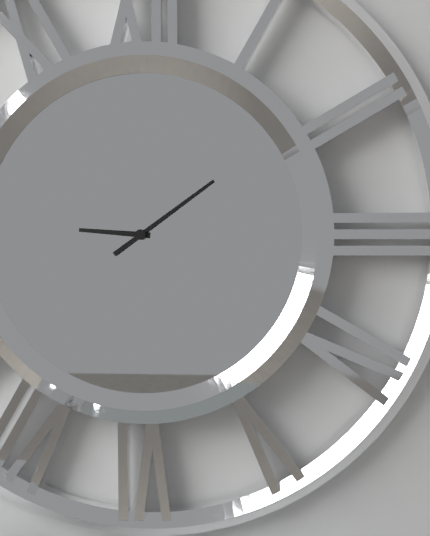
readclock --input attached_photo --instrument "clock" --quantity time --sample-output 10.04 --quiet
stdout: 9.09
